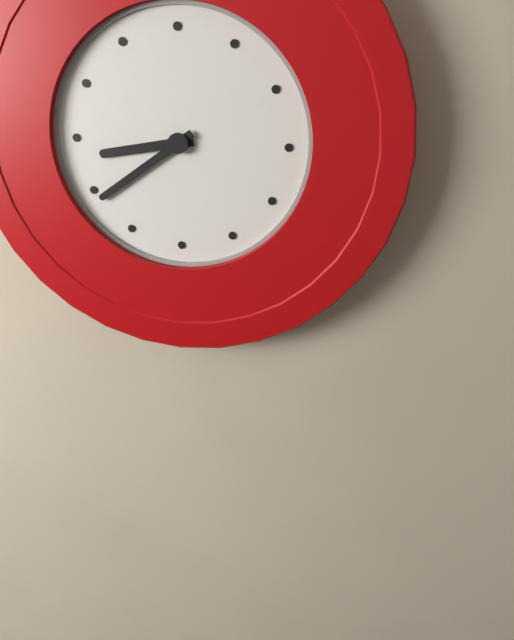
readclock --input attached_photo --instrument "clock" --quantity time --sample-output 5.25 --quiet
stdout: 8.39
